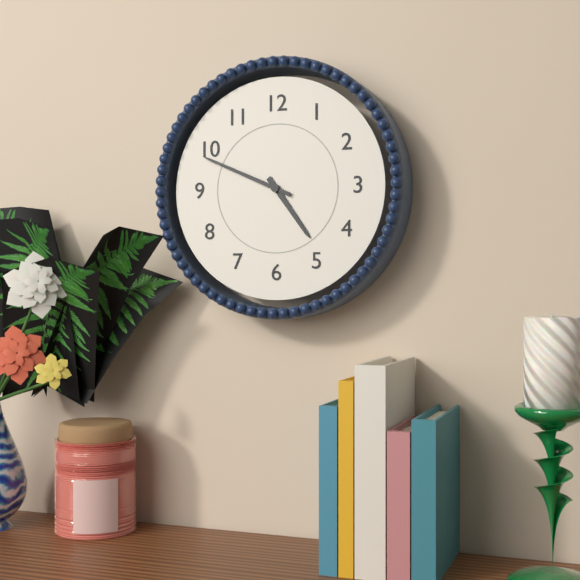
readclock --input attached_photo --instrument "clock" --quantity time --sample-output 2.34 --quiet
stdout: 4.49
